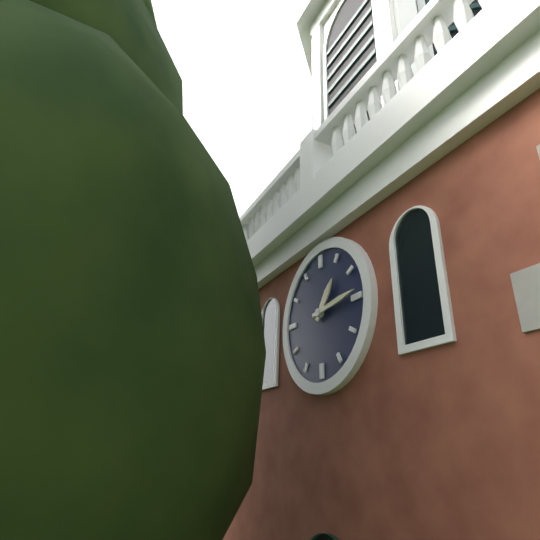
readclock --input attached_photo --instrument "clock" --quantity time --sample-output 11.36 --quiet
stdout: 1.14
